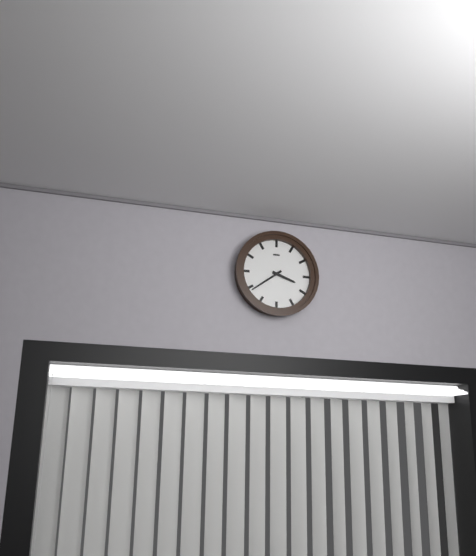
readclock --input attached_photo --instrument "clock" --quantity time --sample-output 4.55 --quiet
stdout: 3.39
